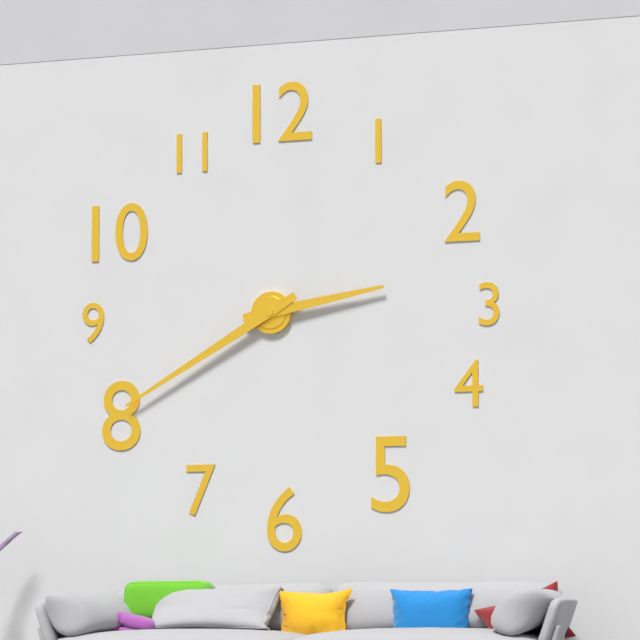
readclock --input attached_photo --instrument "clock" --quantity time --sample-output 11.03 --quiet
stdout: 2.40
